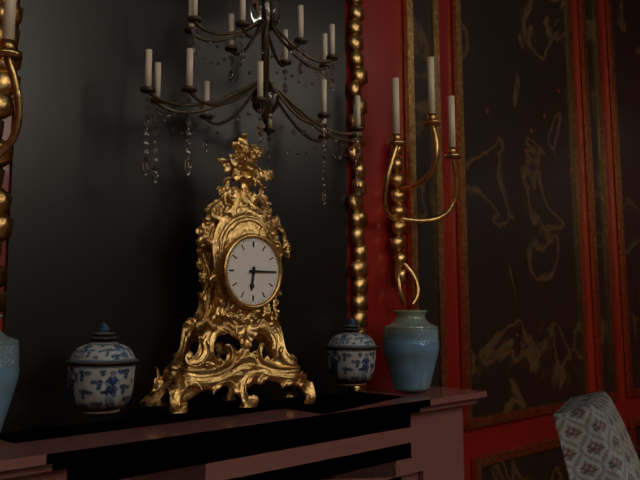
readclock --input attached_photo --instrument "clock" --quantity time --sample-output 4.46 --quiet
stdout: 6.15
